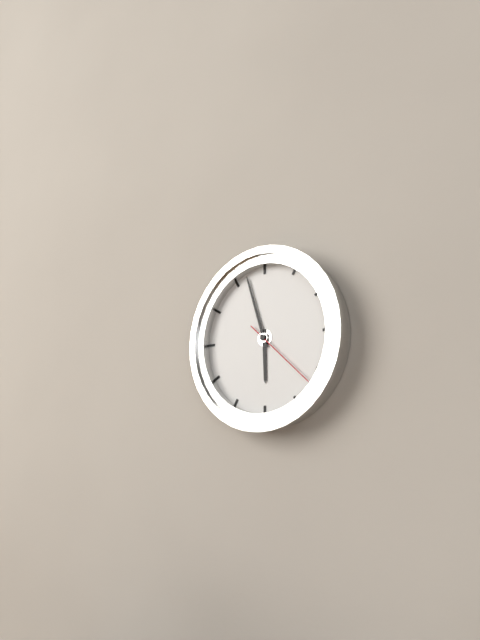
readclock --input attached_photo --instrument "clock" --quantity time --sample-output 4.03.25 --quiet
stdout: 5.57.22
